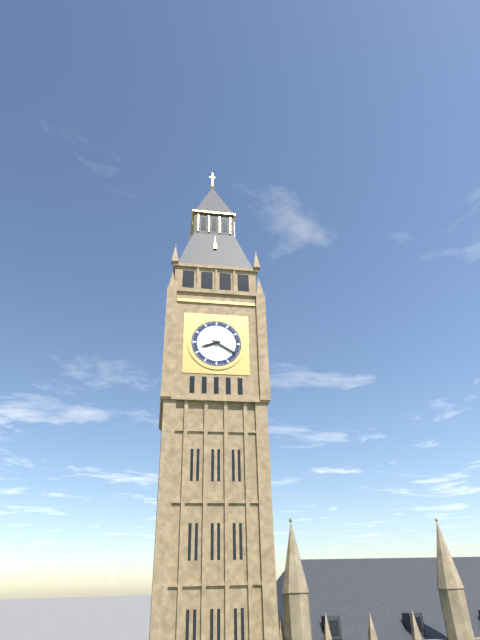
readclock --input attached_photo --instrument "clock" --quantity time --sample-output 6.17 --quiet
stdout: 8.20
